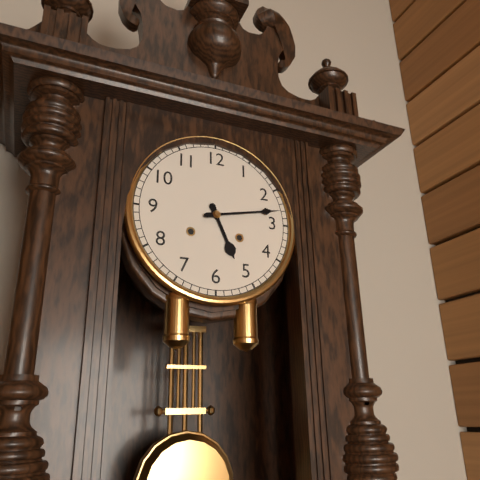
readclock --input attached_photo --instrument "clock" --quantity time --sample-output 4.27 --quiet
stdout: 5.13
